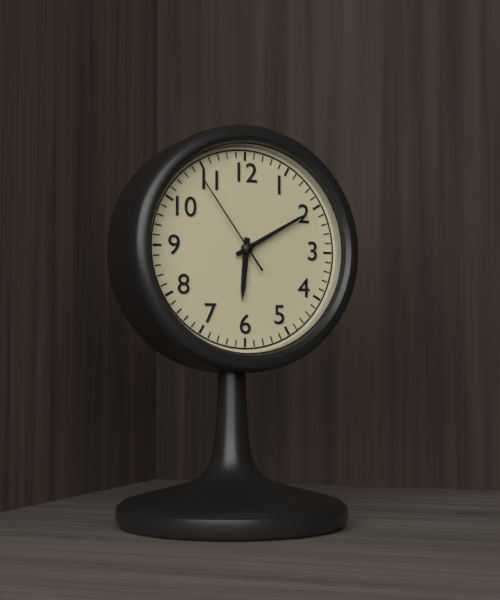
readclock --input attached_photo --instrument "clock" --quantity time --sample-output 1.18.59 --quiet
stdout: 6.10.54
